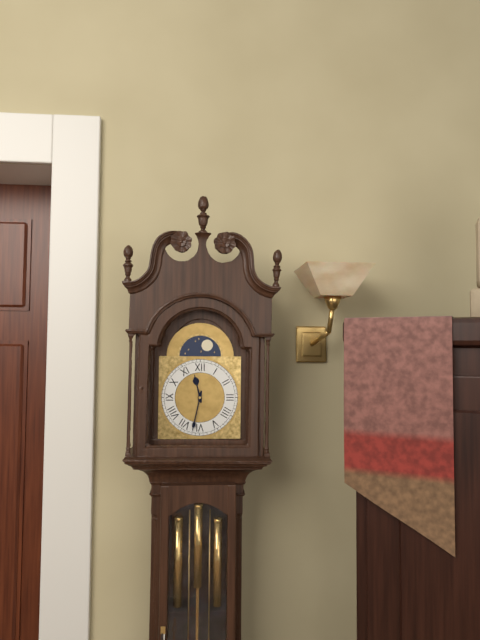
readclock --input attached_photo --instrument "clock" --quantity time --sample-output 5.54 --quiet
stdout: 11.32
